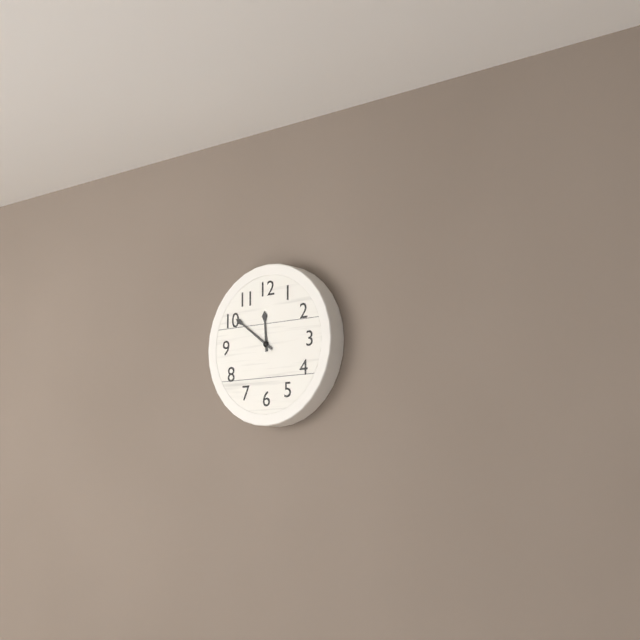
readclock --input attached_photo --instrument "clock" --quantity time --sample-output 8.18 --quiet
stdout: 11.51
